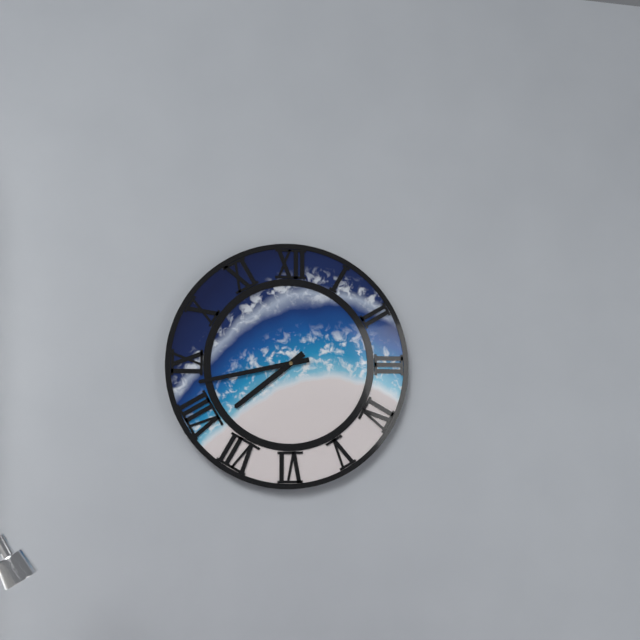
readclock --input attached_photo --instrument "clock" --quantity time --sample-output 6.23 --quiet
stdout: 7.43
